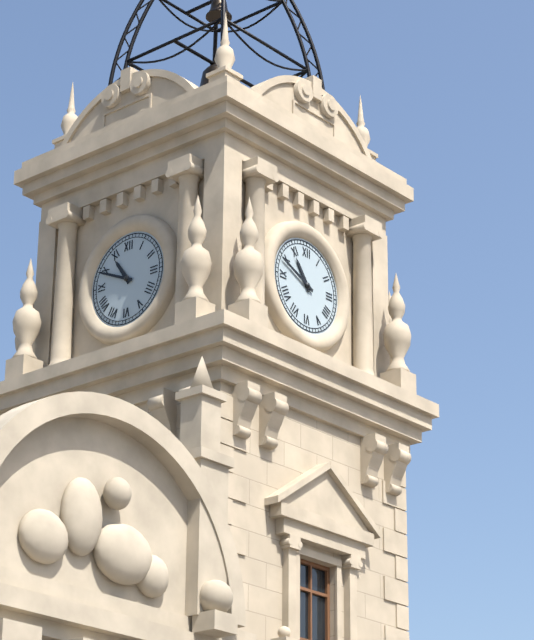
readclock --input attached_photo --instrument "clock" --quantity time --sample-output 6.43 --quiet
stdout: 10.49
